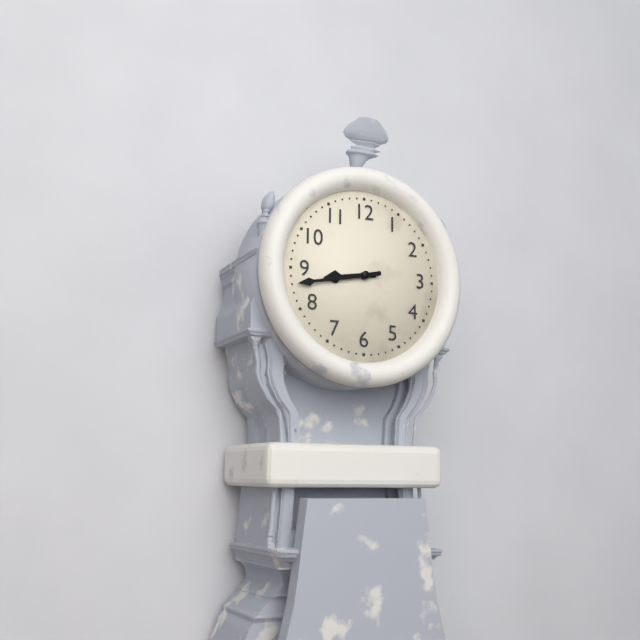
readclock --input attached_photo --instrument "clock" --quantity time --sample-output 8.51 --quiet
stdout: 8.43
